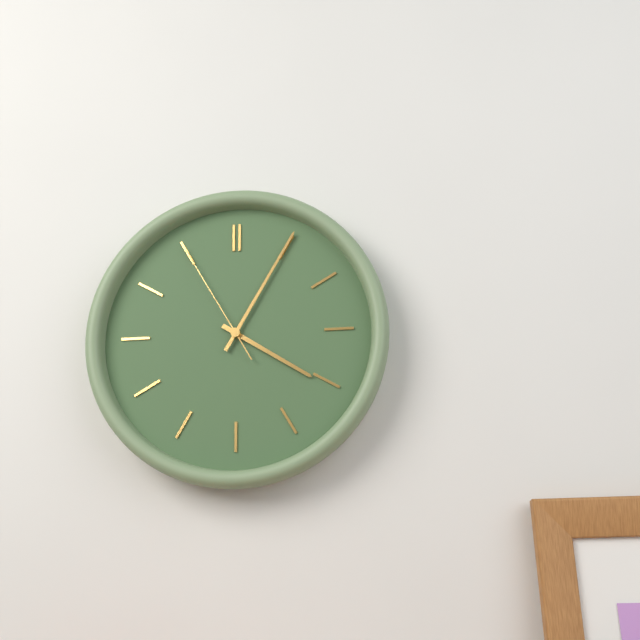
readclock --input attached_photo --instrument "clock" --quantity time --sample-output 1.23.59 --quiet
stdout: 4.05.55
